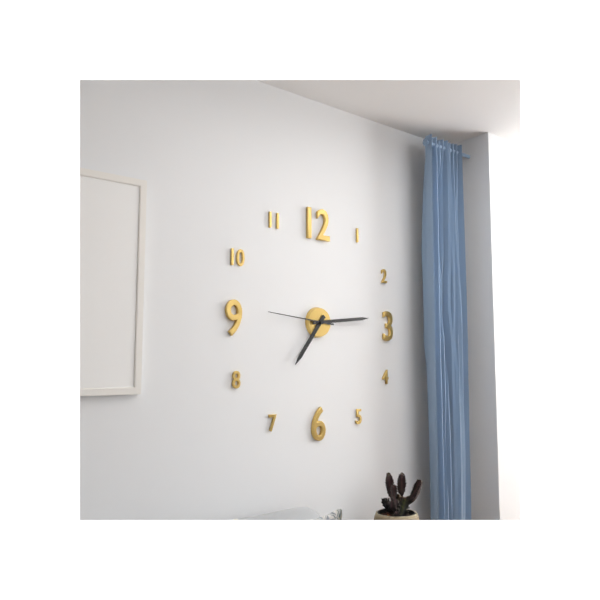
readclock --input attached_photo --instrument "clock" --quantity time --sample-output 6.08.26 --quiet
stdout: 7.14.46
